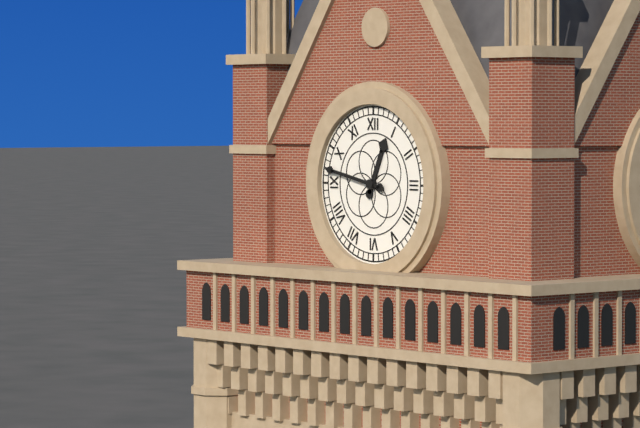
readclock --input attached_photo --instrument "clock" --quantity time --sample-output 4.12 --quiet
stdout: 12.47
